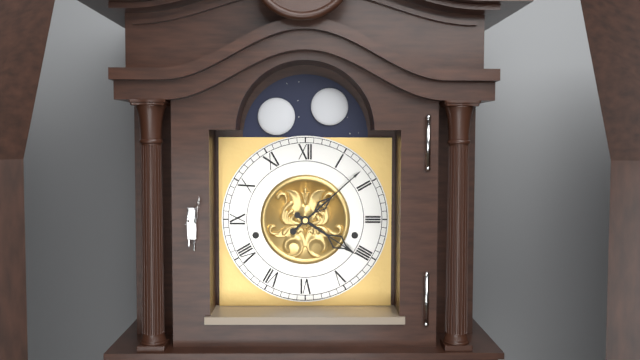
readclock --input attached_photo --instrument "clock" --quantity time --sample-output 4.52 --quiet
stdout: 4.08
